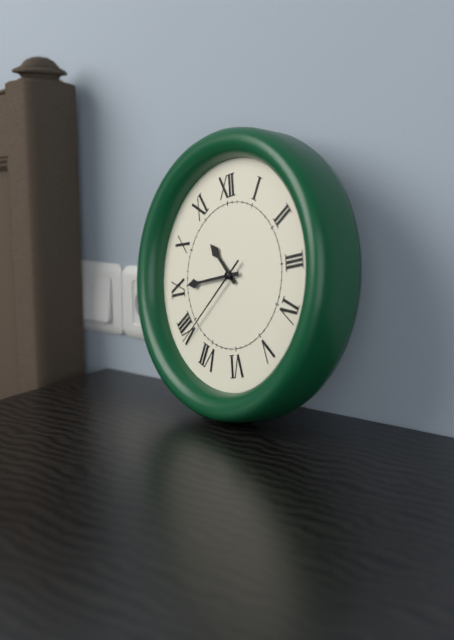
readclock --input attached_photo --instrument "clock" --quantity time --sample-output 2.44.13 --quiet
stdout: 10.45.39
